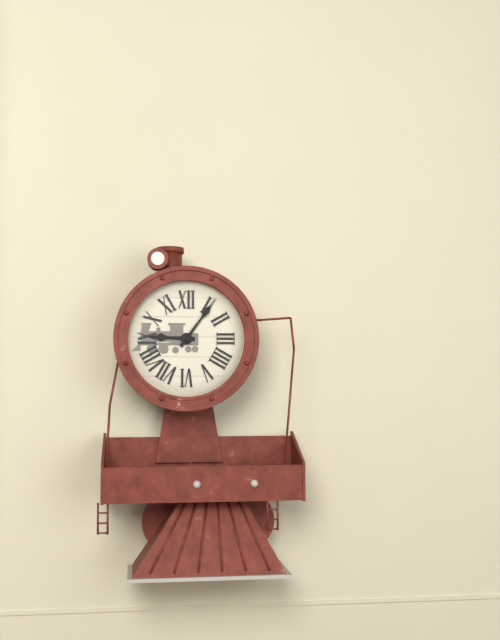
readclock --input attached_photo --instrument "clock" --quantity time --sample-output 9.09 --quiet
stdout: 9.06
